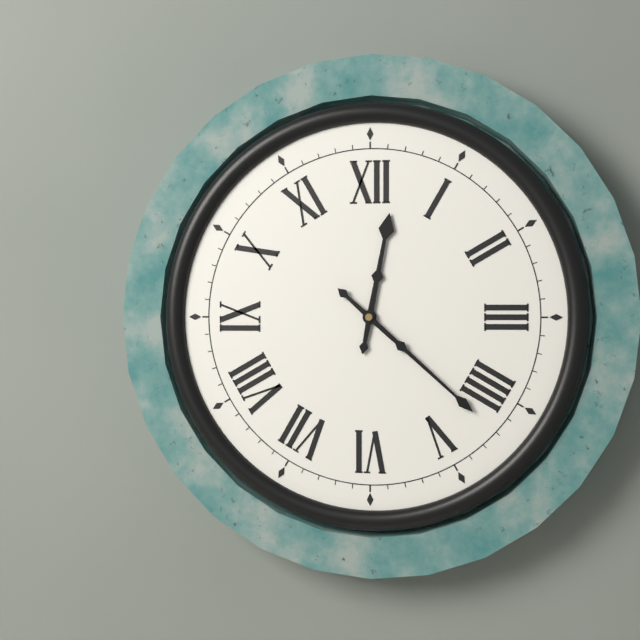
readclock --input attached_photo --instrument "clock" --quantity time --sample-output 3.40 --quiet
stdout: 12.22
